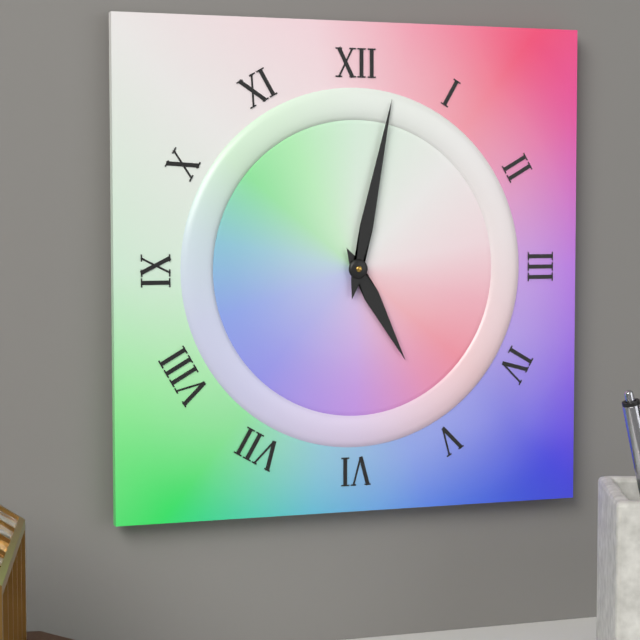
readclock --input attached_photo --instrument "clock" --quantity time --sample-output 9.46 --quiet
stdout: 5.02
